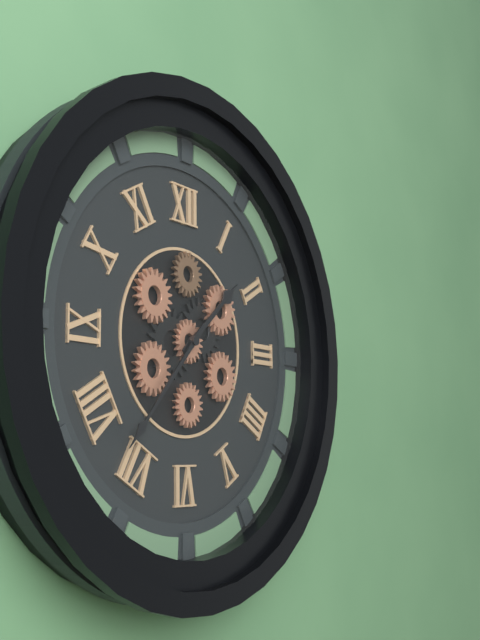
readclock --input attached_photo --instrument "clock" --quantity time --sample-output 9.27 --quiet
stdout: 1.37
